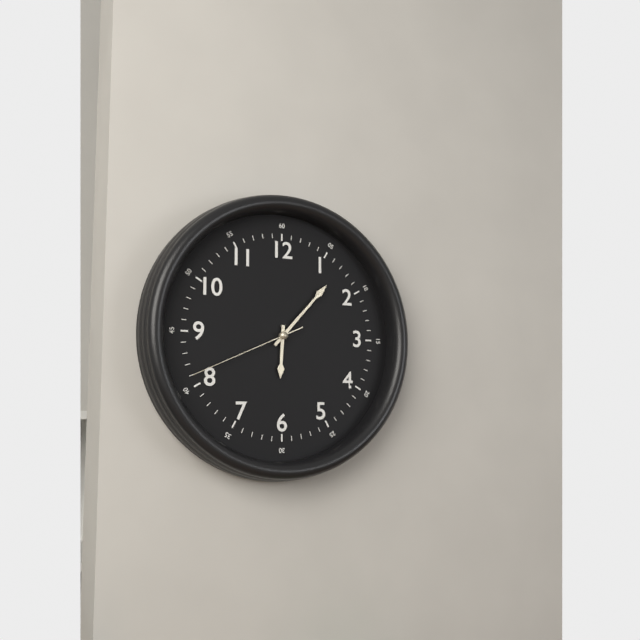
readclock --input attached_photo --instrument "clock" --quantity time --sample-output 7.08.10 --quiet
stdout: 6.07.41
